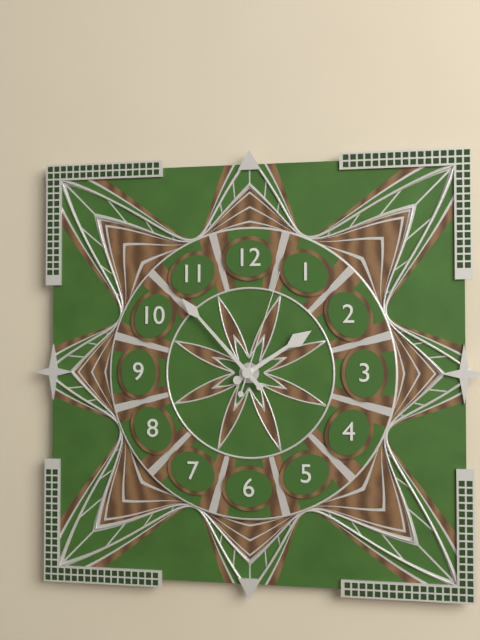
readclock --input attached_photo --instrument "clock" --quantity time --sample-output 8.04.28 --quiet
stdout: 1.53.03
